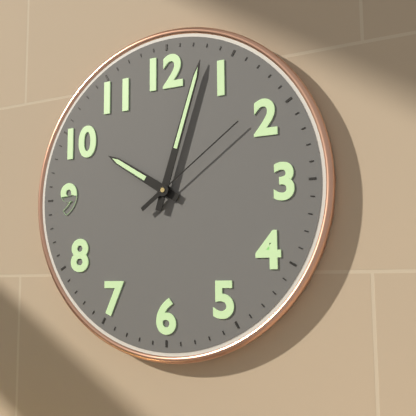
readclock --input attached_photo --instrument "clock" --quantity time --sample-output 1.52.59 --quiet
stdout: 10.03.09
